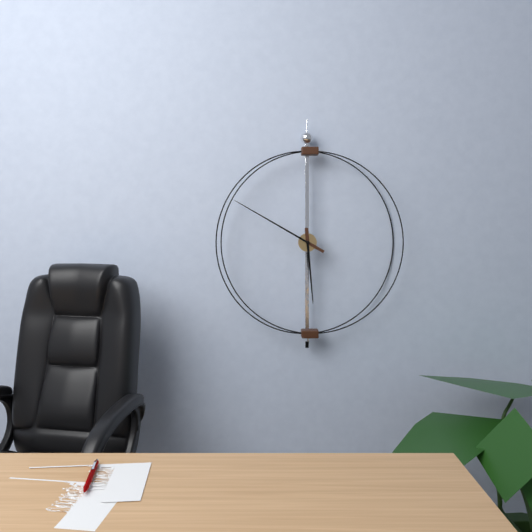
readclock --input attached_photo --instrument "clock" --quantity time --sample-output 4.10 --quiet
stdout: 5.50
